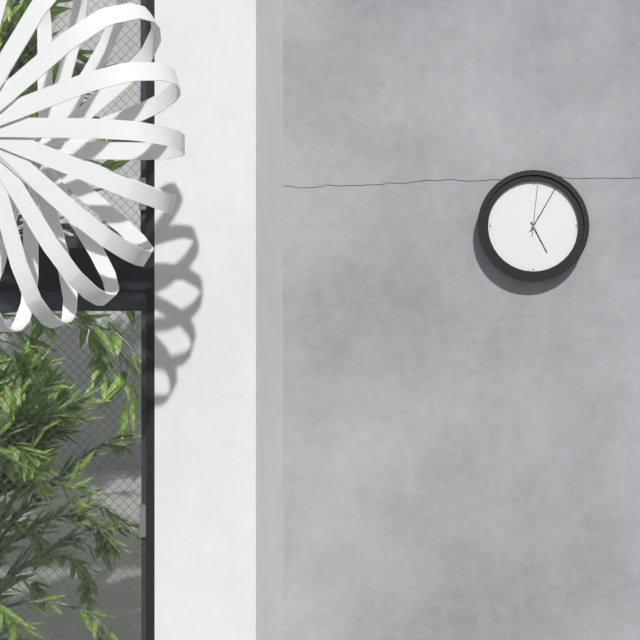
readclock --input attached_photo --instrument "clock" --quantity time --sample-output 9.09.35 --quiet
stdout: 5.05.01
